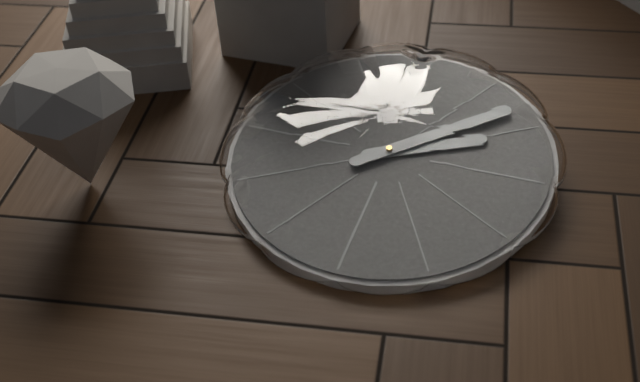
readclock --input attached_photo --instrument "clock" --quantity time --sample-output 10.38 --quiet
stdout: 2.08
